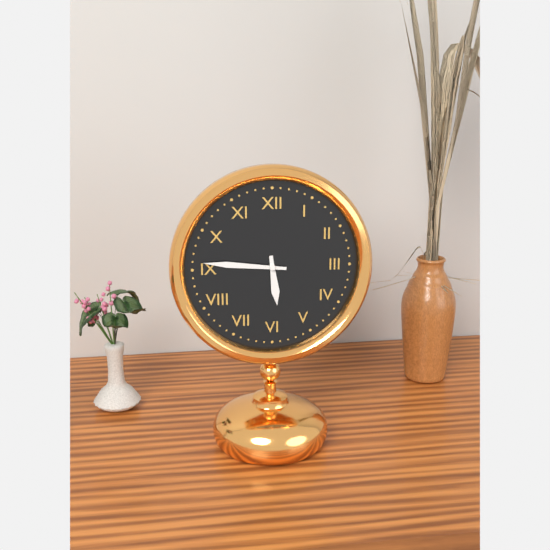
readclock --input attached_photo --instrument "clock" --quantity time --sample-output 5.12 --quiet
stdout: 5.46
